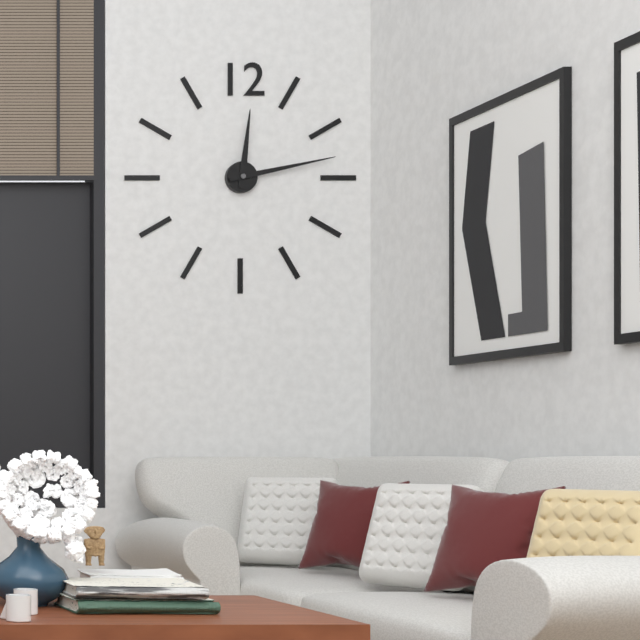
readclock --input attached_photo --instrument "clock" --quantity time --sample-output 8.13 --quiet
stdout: 12.13
